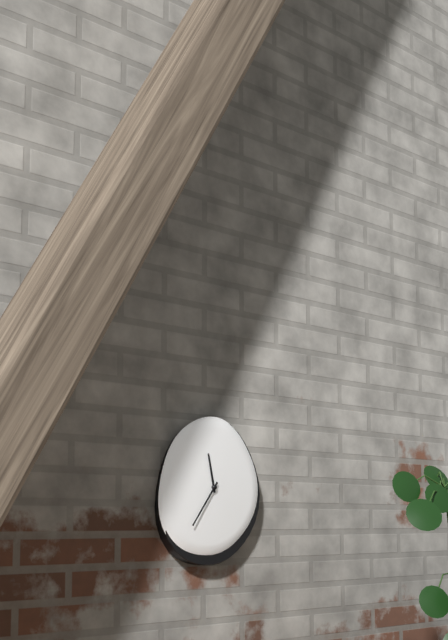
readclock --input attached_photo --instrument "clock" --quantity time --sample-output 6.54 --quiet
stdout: 11.36
